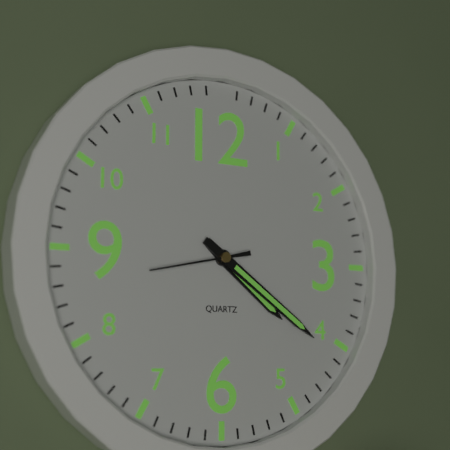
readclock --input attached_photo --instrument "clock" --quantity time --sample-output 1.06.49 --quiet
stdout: 4.21.43
